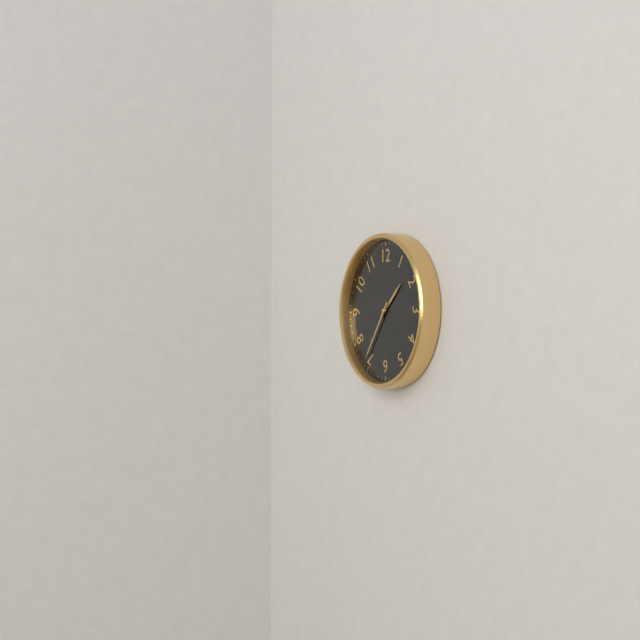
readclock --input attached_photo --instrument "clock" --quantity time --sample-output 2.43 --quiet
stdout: 1.36
